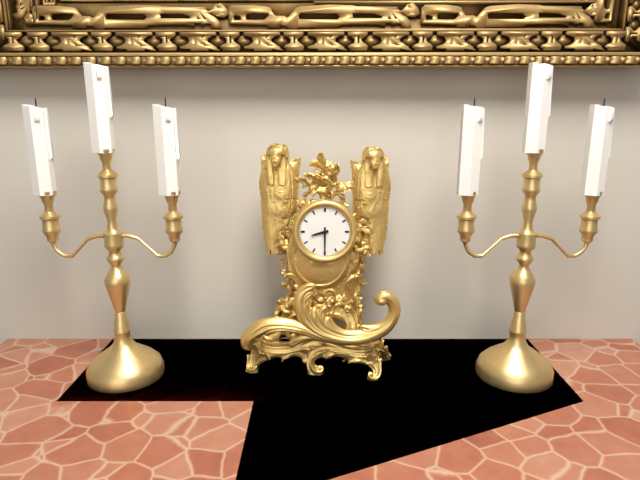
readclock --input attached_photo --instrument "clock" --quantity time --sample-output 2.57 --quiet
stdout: 8.30
